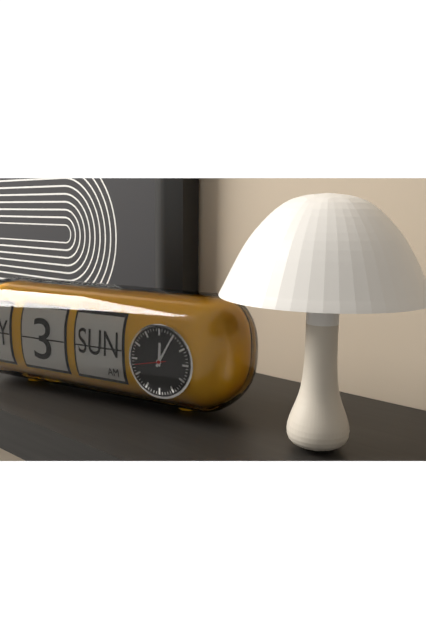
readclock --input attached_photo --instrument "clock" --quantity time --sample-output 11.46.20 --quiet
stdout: 12.05.43
